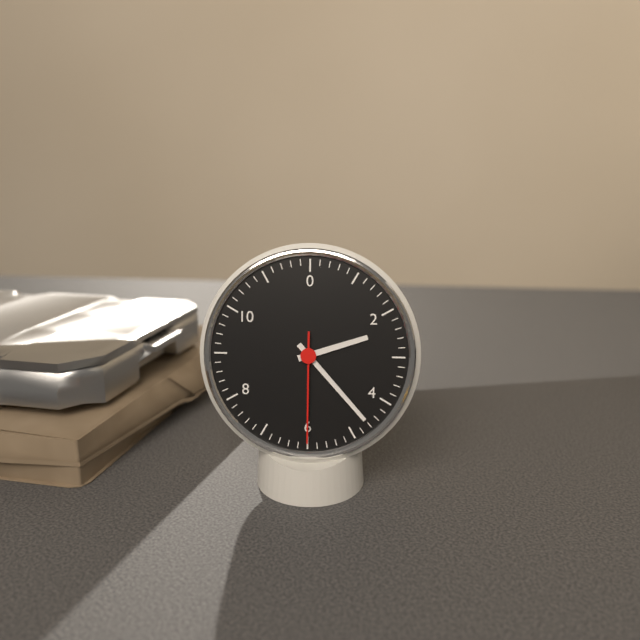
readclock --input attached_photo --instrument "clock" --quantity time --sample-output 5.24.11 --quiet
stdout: 2.23.30
